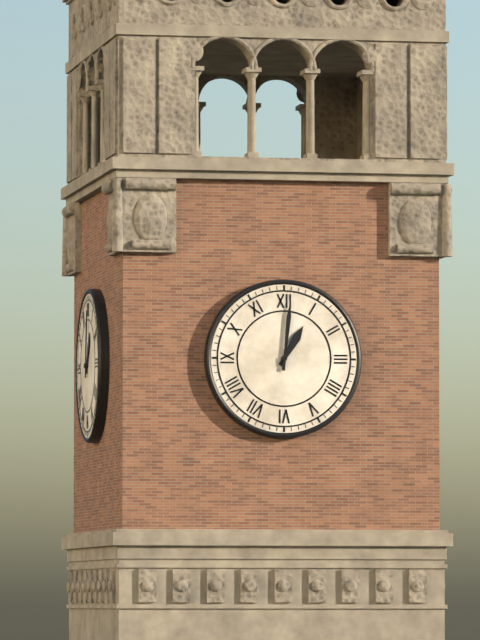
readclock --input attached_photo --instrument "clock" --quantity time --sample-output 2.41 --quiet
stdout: 1.01
